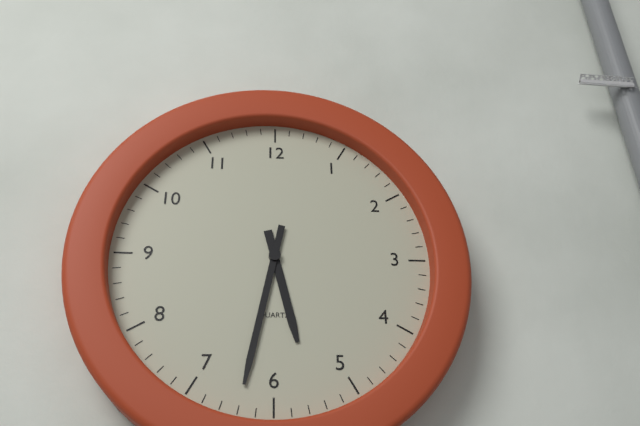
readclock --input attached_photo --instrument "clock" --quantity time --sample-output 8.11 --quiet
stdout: 5.32
